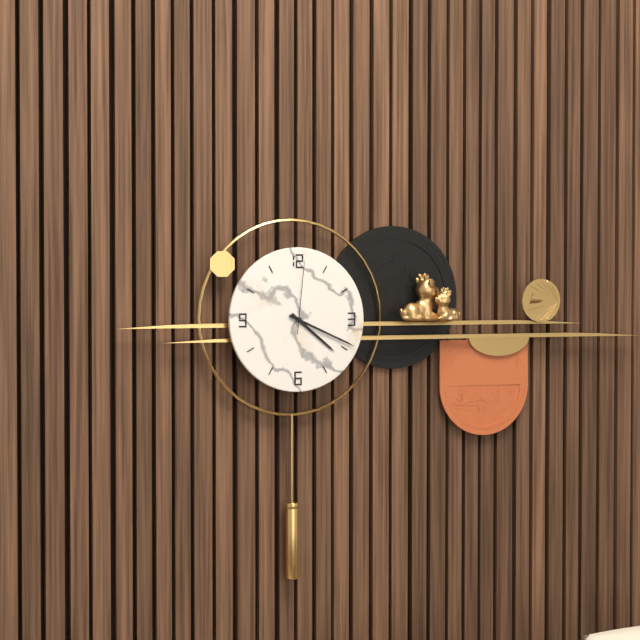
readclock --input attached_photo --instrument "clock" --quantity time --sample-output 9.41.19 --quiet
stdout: 4.19.01
